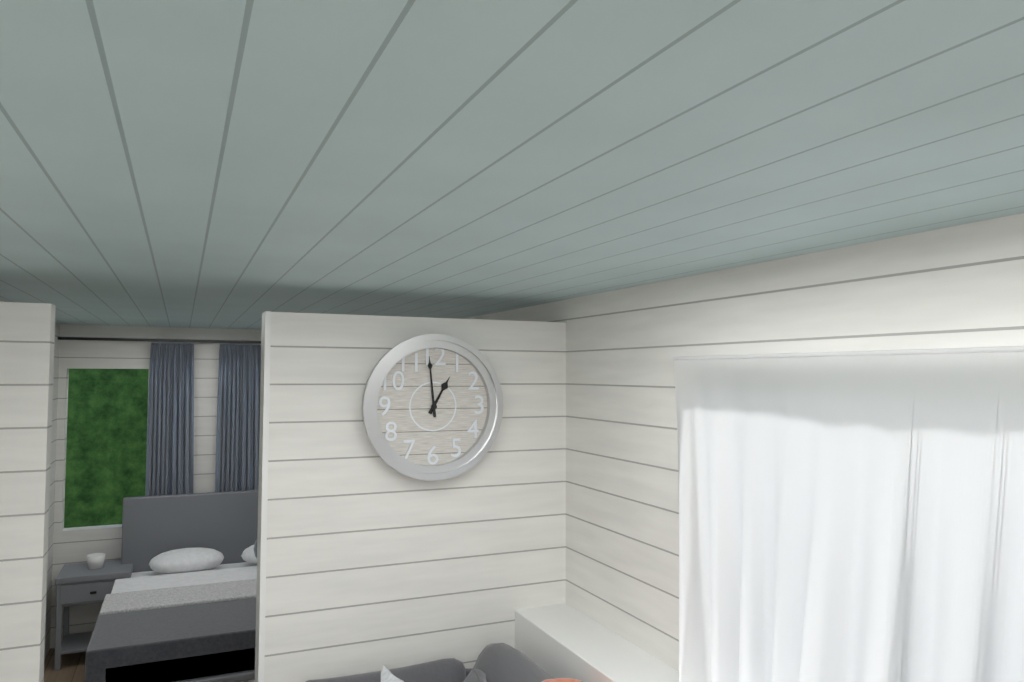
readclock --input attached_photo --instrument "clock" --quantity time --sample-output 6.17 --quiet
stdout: 12.59
